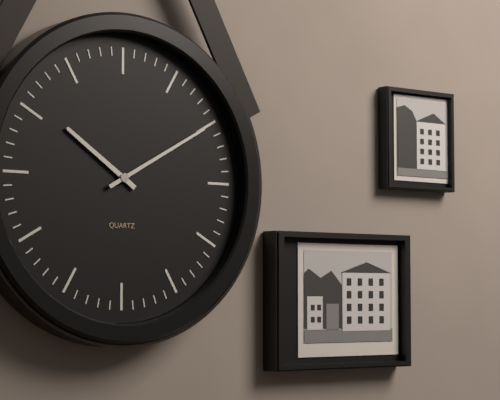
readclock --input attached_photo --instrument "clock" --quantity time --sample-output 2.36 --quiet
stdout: 10.10
